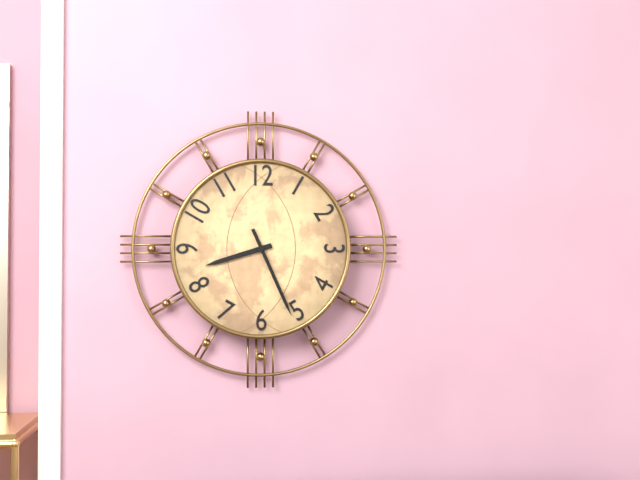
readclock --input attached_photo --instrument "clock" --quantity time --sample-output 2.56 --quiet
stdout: 8.26
